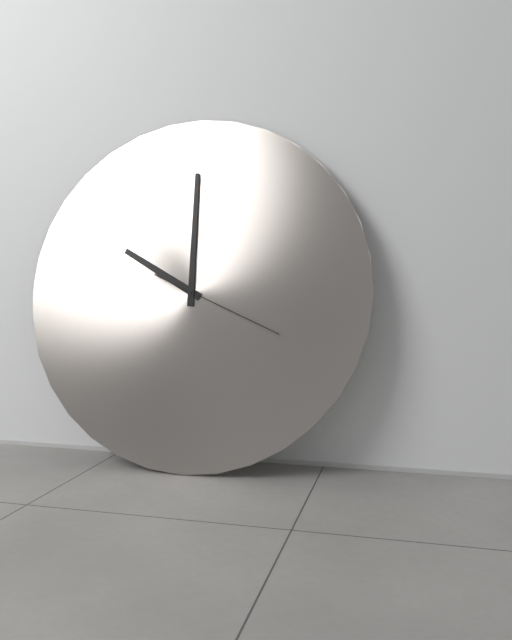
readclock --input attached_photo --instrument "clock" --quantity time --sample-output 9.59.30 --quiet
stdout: 10.00.19
